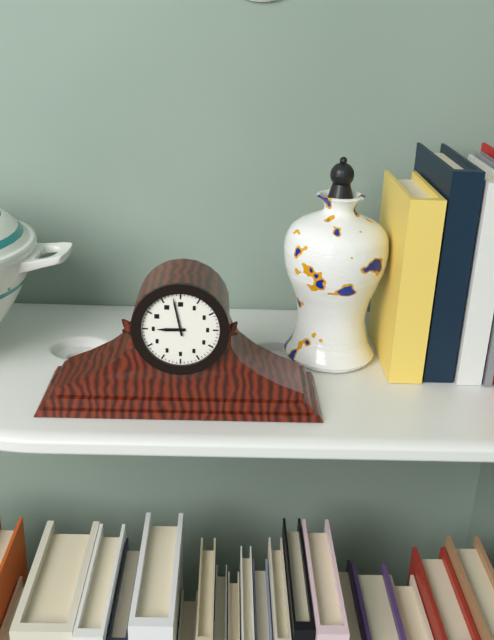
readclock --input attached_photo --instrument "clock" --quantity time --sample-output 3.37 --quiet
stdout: 8.58
